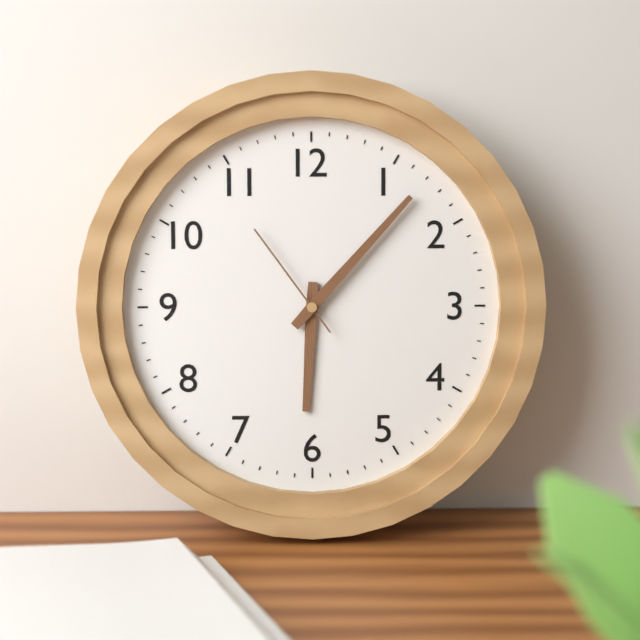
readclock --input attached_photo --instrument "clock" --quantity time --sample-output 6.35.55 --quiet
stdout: 6.07.54
